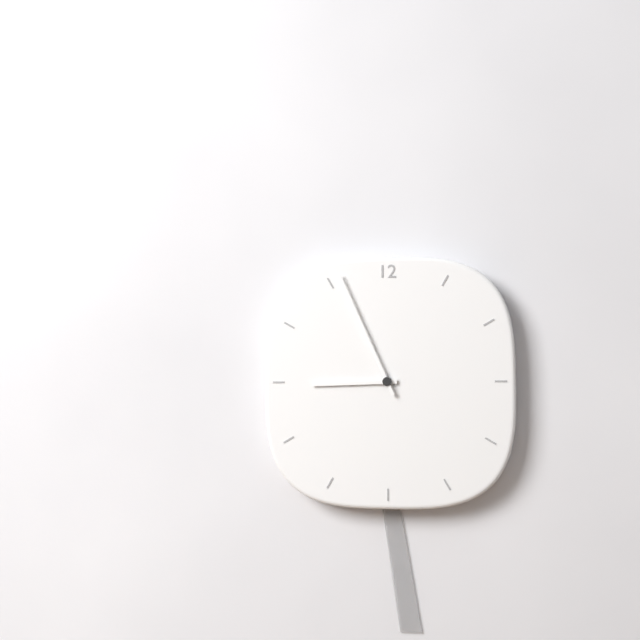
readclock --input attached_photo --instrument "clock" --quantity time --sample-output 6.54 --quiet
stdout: 8.56
